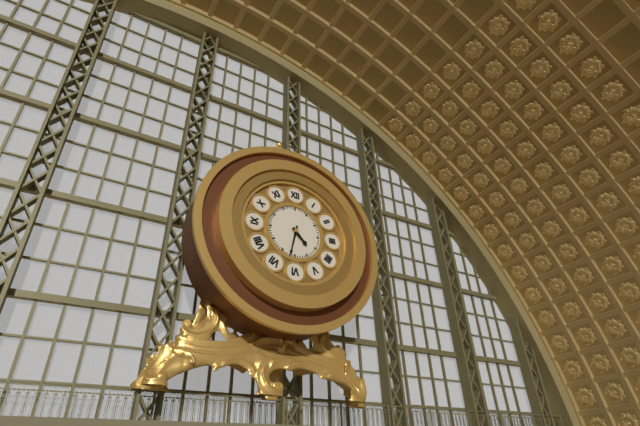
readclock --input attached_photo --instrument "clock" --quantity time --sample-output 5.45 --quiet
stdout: 4.32
